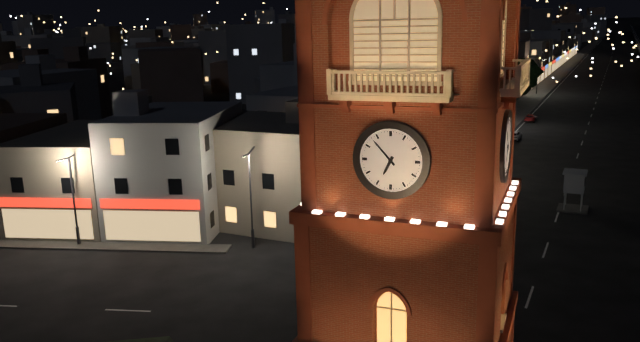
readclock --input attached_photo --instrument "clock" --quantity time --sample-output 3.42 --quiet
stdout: 6.53
